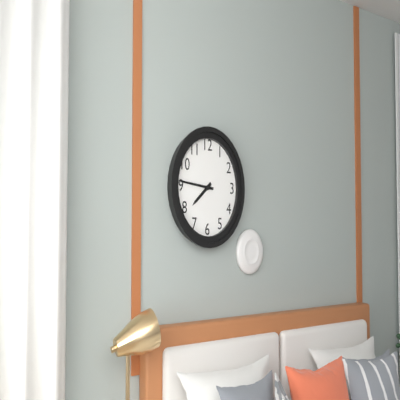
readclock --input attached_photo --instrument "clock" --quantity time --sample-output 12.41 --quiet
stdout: 7.46
